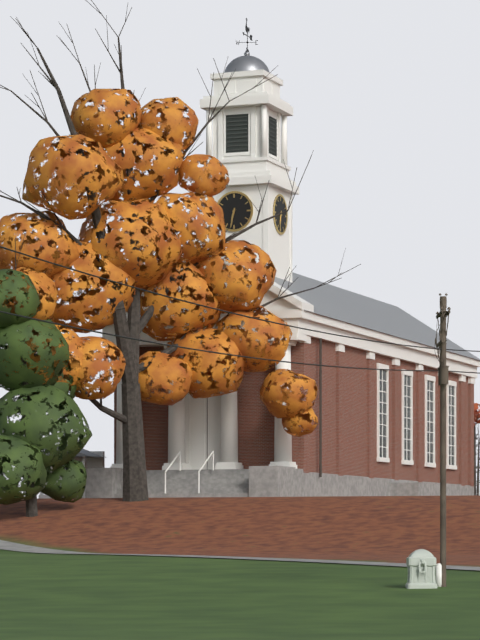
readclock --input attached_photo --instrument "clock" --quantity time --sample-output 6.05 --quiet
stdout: 6.32
